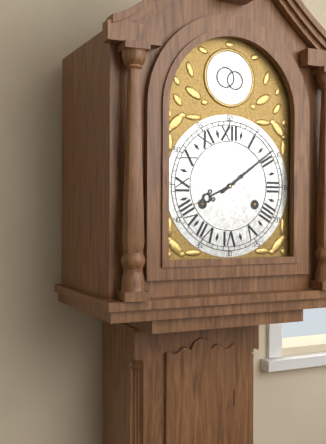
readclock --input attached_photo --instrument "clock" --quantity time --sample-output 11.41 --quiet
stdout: 8.09
